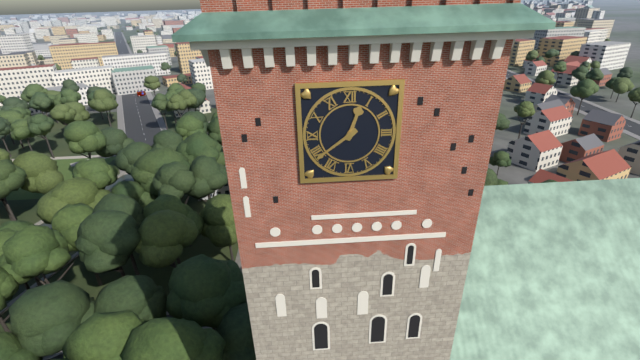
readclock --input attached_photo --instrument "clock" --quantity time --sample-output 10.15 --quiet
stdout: 12.39
